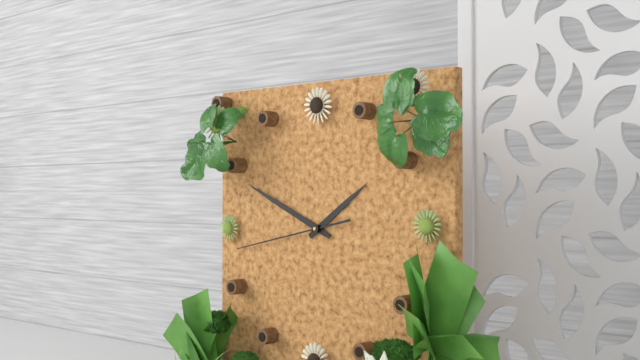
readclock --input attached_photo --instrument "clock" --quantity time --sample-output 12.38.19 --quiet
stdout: 1.49.43
